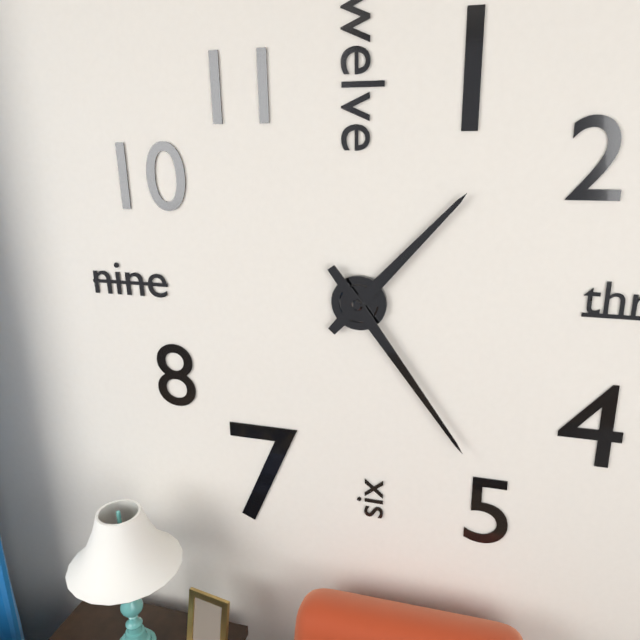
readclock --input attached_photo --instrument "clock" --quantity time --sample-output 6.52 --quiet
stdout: 1.24
